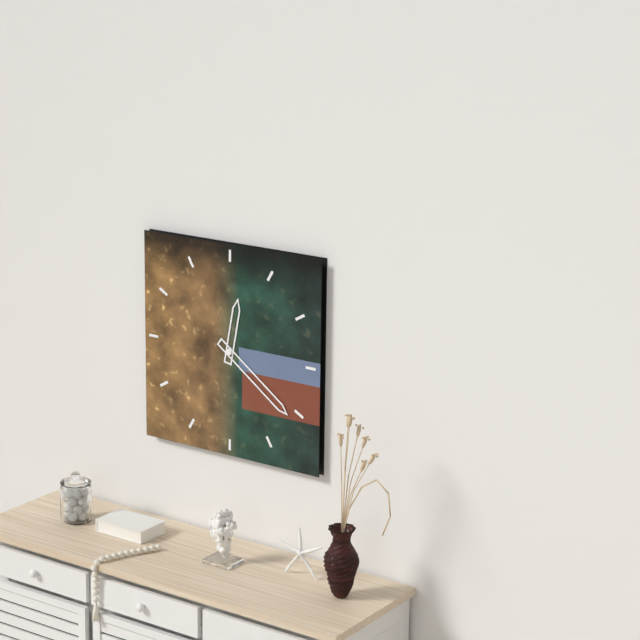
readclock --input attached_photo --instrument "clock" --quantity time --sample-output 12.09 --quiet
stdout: 12.21
